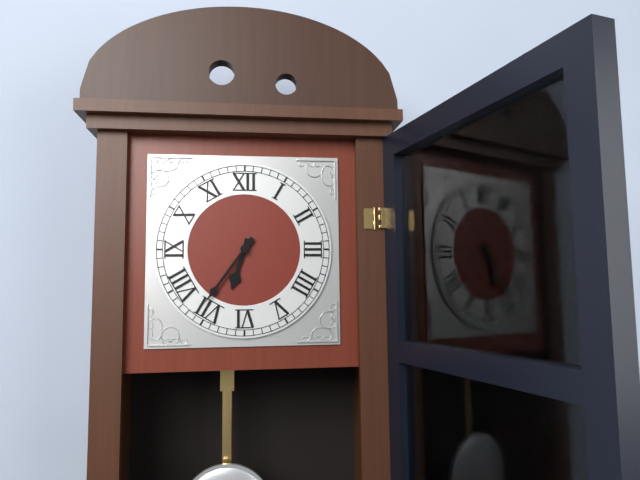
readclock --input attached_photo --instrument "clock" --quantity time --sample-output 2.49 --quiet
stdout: 6.36
